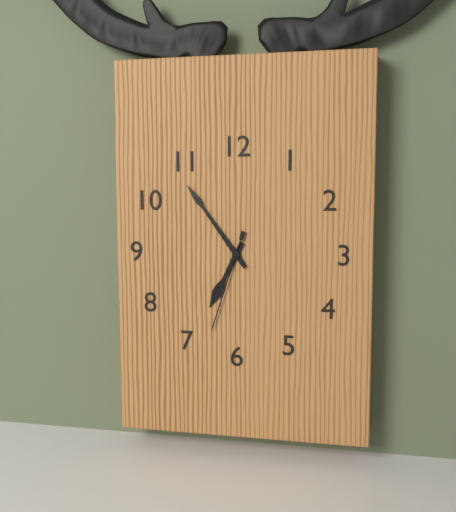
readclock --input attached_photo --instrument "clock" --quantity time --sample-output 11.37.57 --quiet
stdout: 6.54.33
